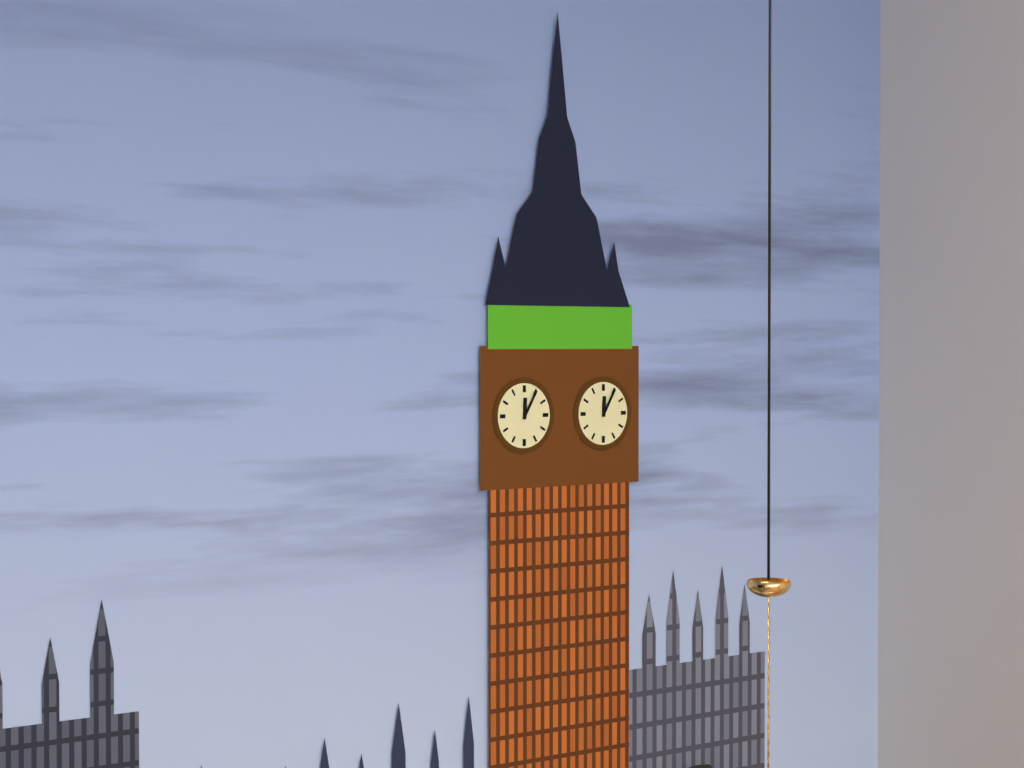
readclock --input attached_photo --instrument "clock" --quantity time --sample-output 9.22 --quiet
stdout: 12.05
